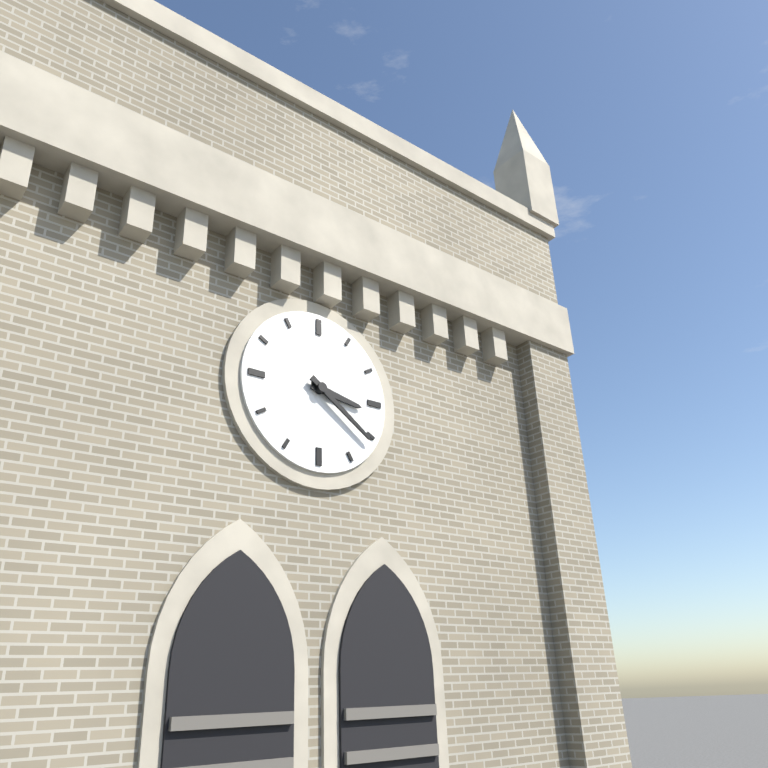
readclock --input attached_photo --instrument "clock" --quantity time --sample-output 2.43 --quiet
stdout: 3.21
